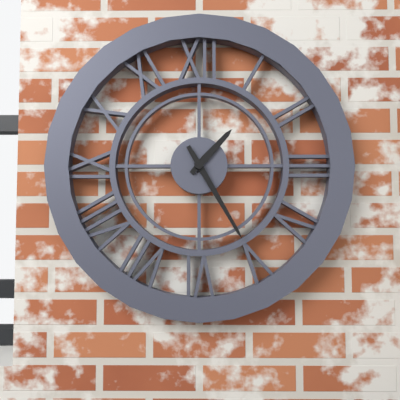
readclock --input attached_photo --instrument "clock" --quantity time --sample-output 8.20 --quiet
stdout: 1.25
